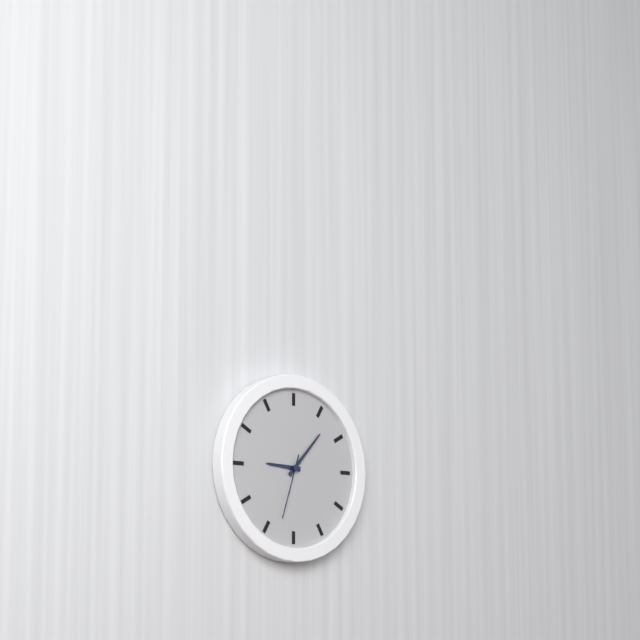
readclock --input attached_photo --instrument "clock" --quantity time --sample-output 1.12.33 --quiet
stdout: 9.07.33
